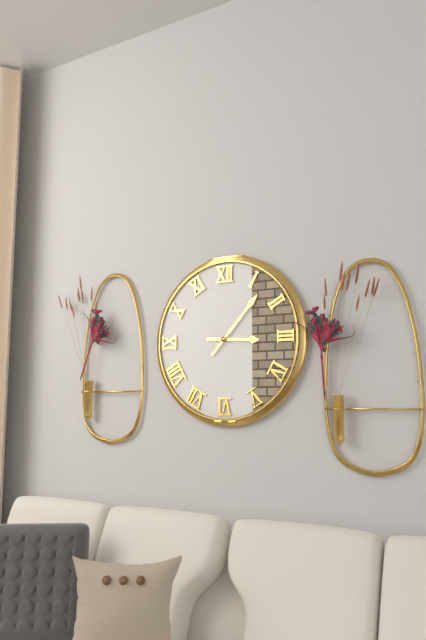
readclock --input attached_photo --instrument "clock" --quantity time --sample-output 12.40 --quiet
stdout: 3.07
